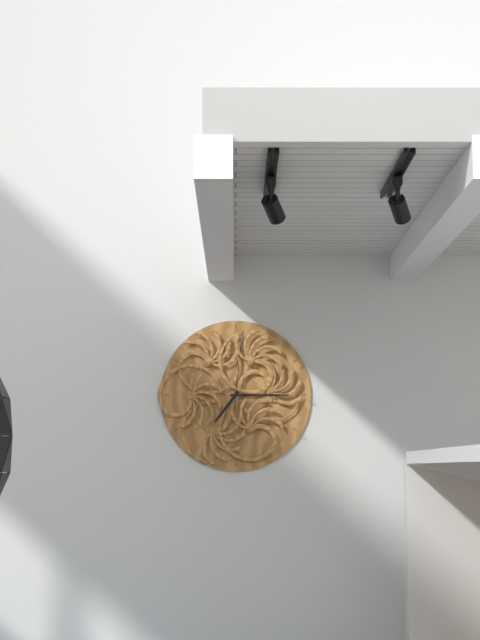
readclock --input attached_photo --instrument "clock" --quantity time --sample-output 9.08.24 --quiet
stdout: 7.15.01
